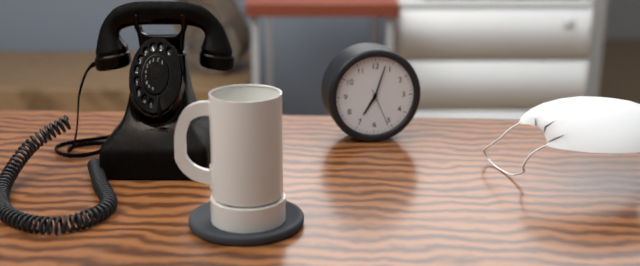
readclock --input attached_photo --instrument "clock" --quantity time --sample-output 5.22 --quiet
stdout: 7.03
